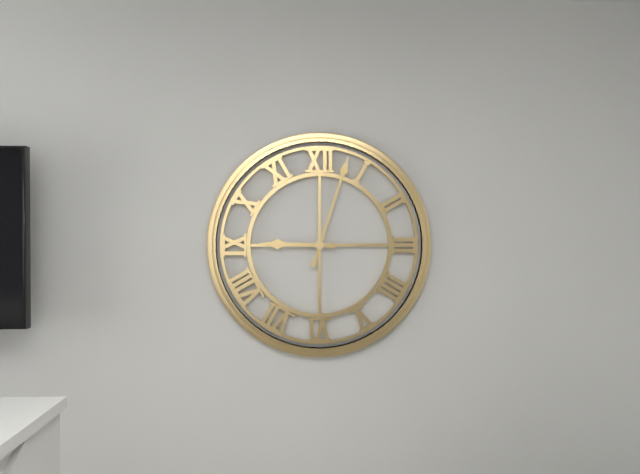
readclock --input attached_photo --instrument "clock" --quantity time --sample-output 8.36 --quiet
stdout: 9.03
